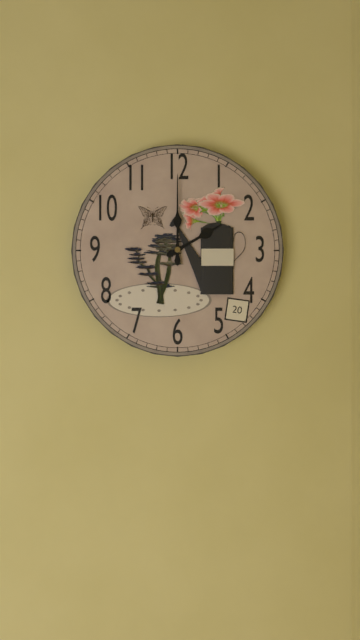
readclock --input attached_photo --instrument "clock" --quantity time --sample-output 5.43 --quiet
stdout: 2.00
